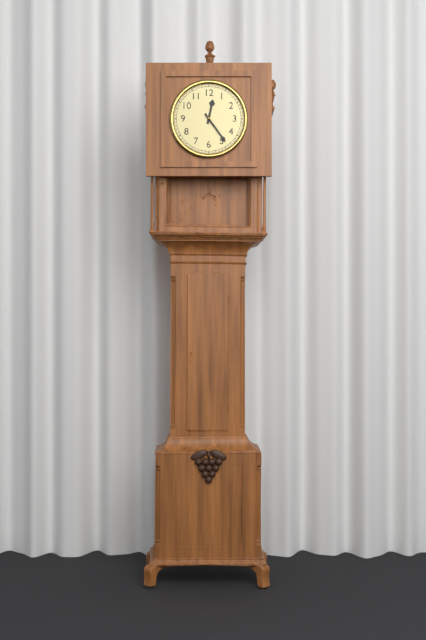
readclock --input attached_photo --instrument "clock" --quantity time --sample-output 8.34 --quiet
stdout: 12.24
